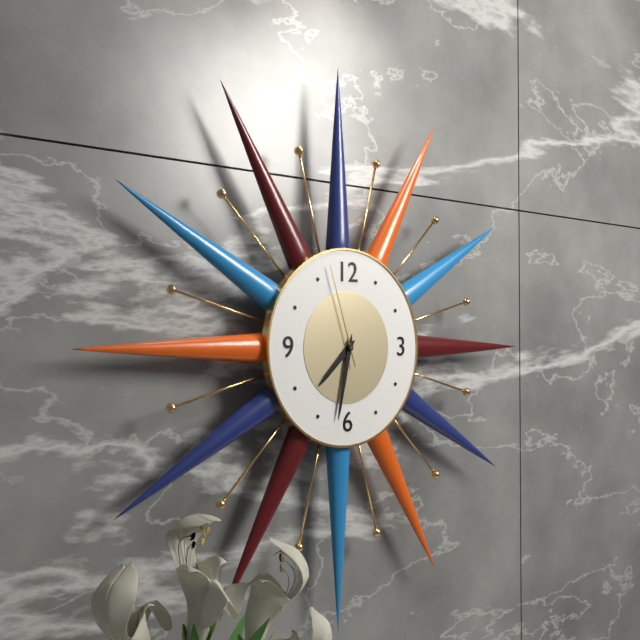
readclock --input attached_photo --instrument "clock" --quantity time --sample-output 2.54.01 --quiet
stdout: 7.32.57
